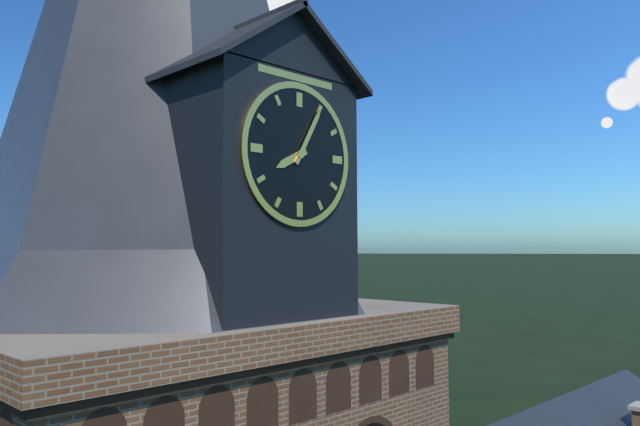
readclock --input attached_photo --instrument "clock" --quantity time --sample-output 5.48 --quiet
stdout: 8.05
